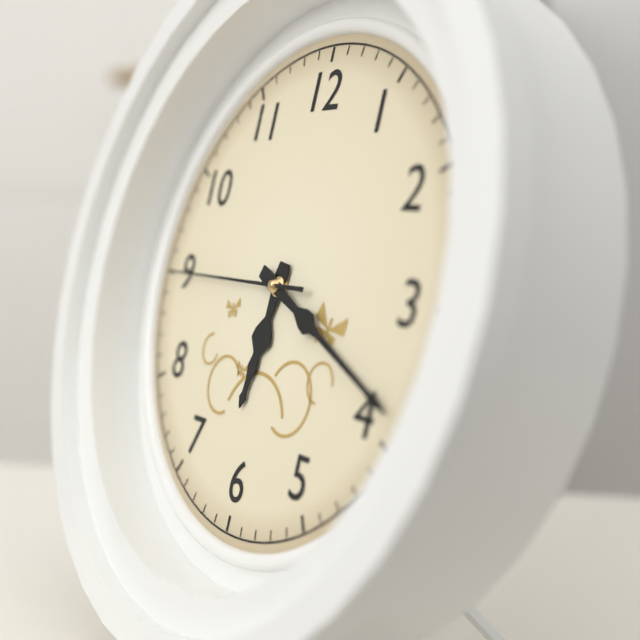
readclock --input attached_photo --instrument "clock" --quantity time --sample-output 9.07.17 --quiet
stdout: 6.19.45
